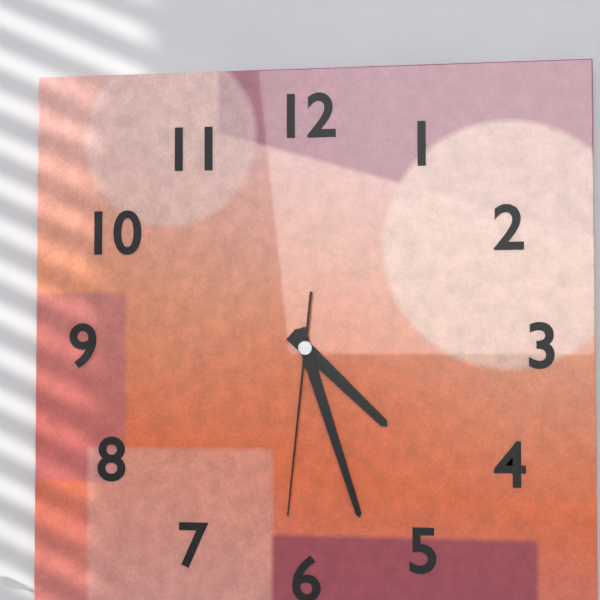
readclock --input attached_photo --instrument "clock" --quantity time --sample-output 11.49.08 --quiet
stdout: 4.27.31
